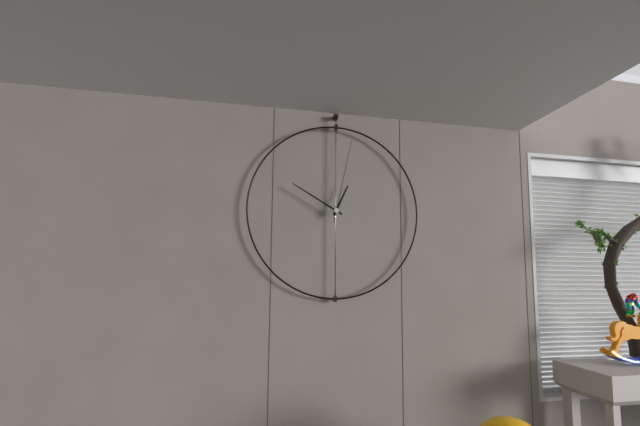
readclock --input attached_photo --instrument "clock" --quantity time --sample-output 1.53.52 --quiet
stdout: 12.50.02
